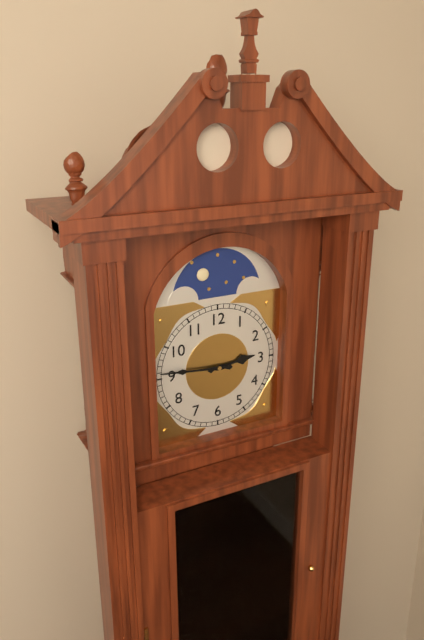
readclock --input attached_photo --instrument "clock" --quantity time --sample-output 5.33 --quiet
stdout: 2.46
